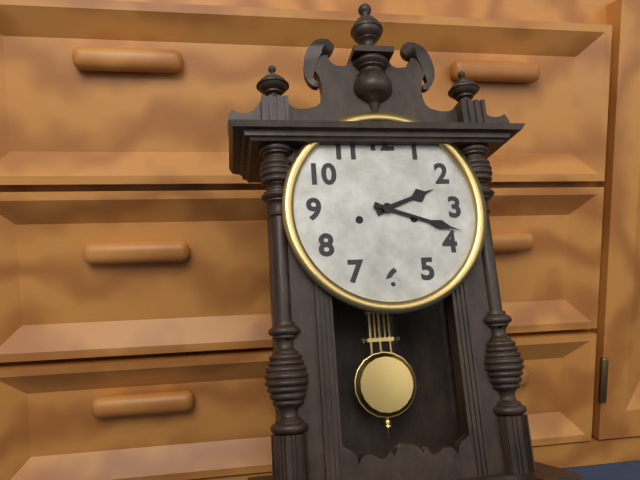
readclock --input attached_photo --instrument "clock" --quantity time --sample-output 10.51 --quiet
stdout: 2.18
